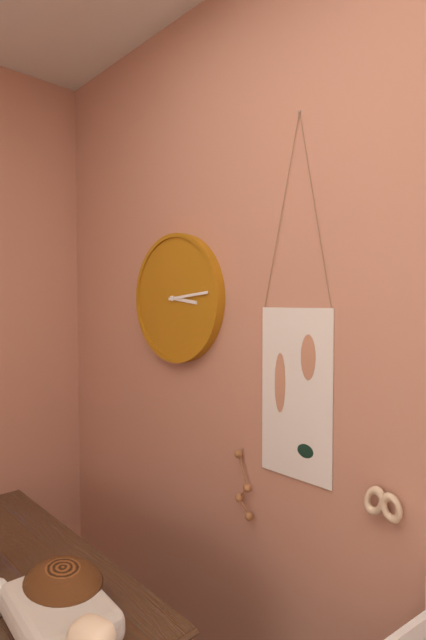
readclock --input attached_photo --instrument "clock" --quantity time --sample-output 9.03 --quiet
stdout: 3.14
